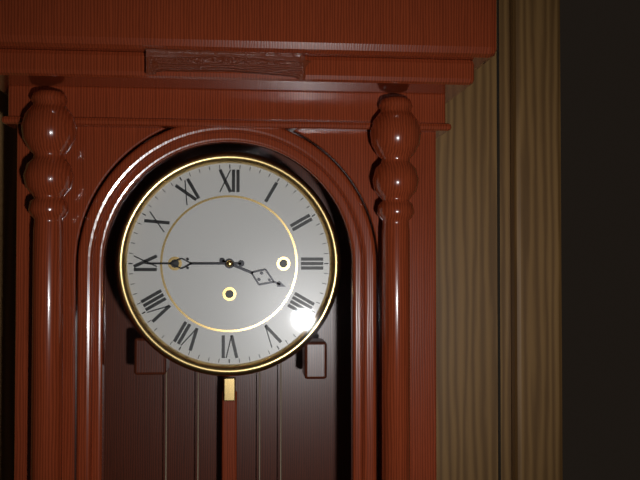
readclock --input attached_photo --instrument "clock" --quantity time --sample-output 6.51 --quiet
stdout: 3.45
